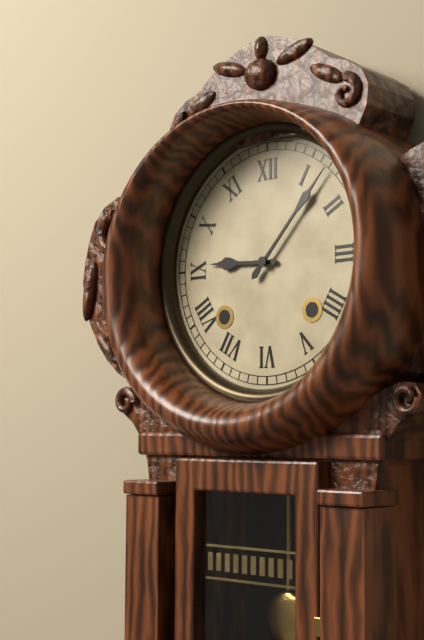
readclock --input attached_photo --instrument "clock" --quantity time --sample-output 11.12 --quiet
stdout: 9.07
